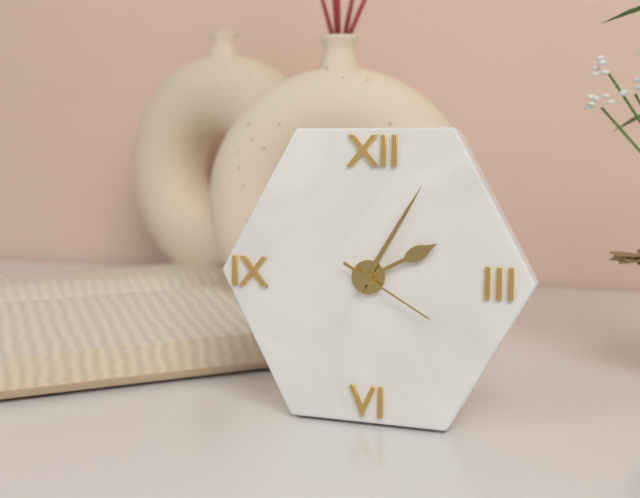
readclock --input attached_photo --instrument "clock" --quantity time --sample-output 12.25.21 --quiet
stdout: 2.05.20
